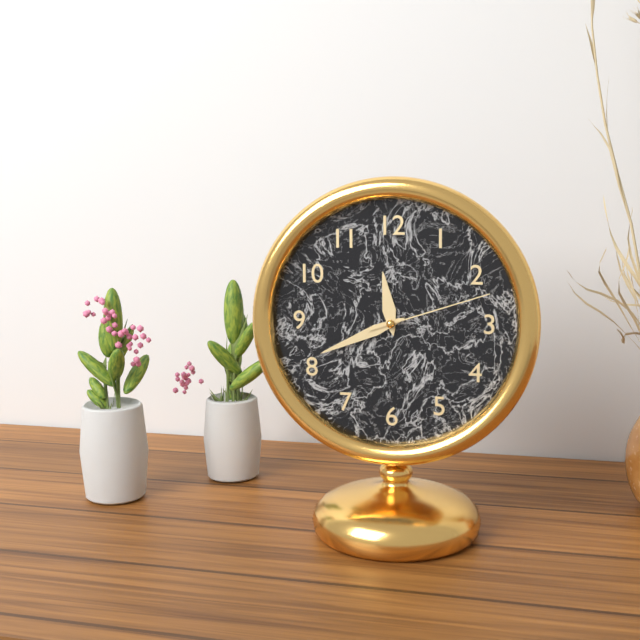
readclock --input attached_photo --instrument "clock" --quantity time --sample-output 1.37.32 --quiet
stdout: 11.41.12
